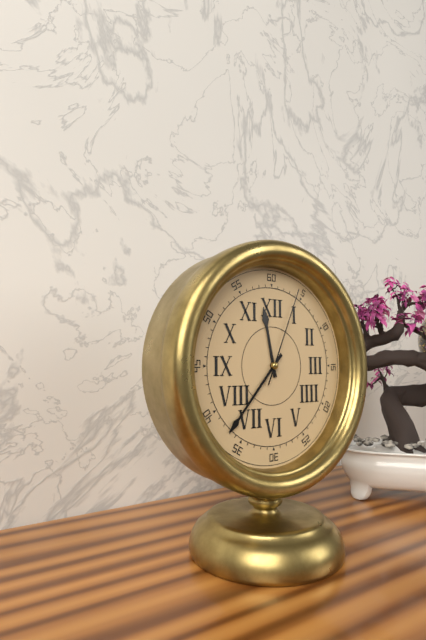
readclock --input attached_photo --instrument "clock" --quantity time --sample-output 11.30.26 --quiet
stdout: 11.37.04
